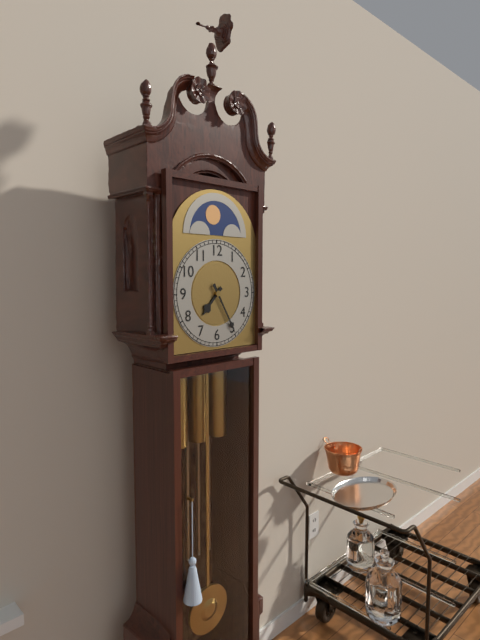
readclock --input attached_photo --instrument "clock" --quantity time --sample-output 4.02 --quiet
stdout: 7.25
